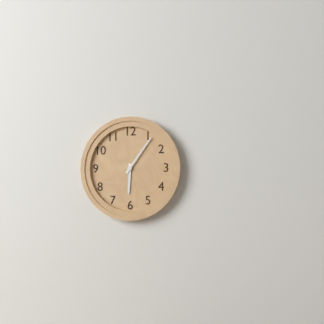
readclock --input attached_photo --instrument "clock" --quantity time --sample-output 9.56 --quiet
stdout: 6.06
